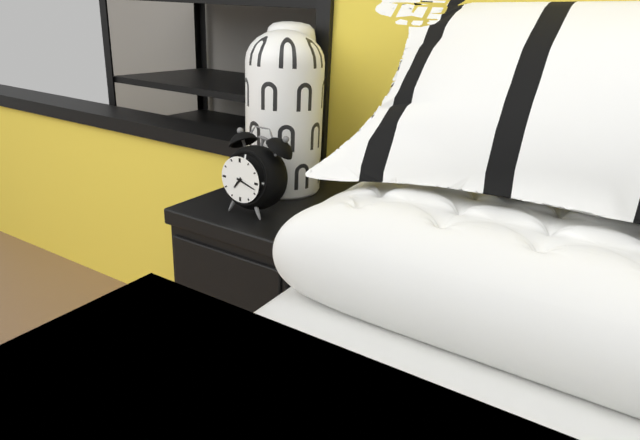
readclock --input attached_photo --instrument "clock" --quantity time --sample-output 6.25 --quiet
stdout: 7.18
